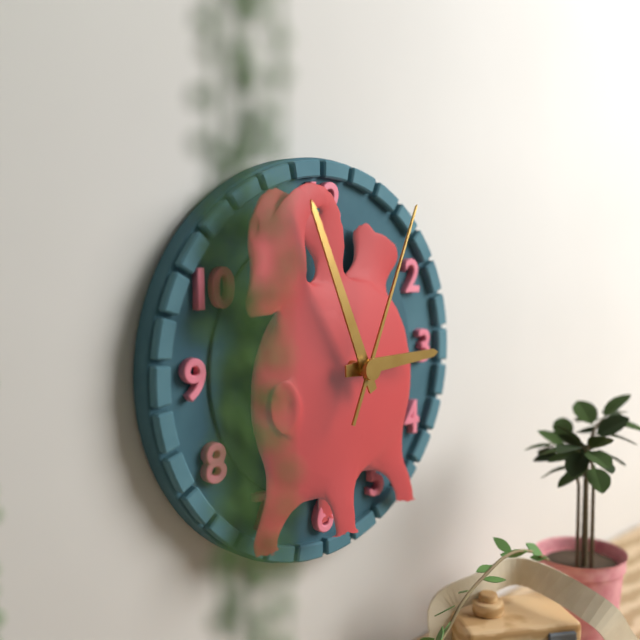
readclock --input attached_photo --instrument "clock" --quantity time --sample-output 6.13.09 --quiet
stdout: 2.56.04
